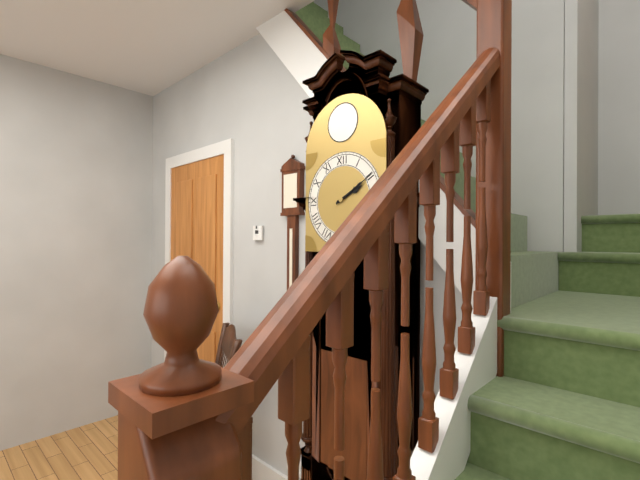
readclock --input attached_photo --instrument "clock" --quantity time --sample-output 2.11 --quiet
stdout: 2.10
